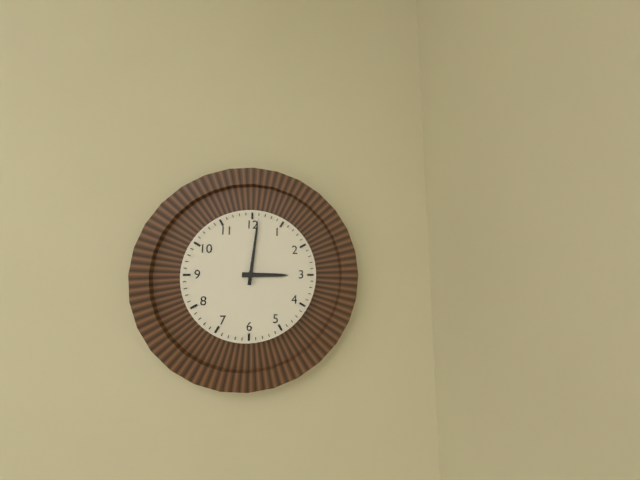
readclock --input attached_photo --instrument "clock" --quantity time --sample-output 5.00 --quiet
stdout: 3.01
